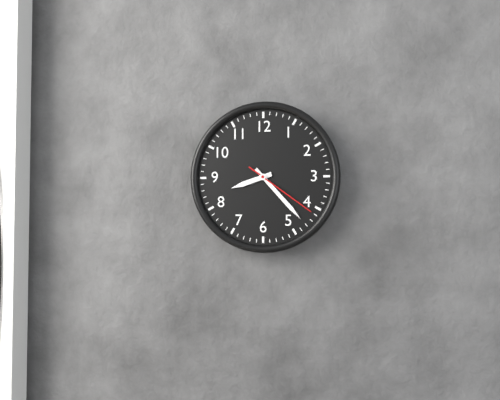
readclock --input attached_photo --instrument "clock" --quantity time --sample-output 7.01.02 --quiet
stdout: 8.23.21
